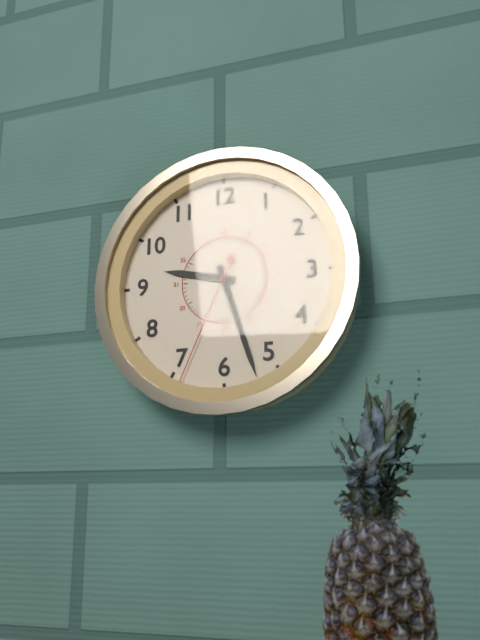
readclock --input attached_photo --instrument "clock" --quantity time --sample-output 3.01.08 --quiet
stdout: 9.27.34
